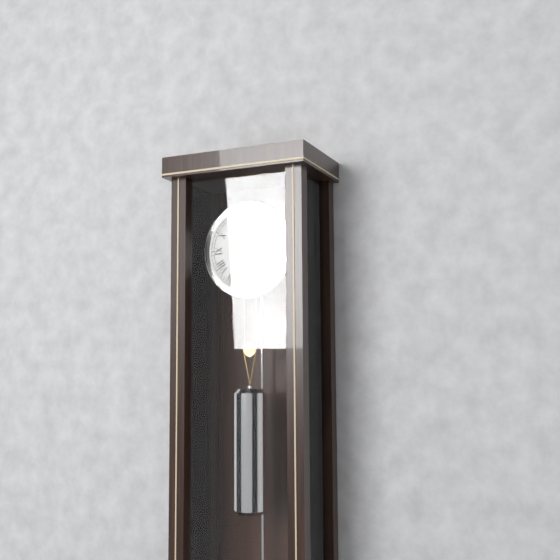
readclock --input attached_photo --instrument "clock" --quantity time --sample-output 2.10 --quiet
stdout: 3.08
